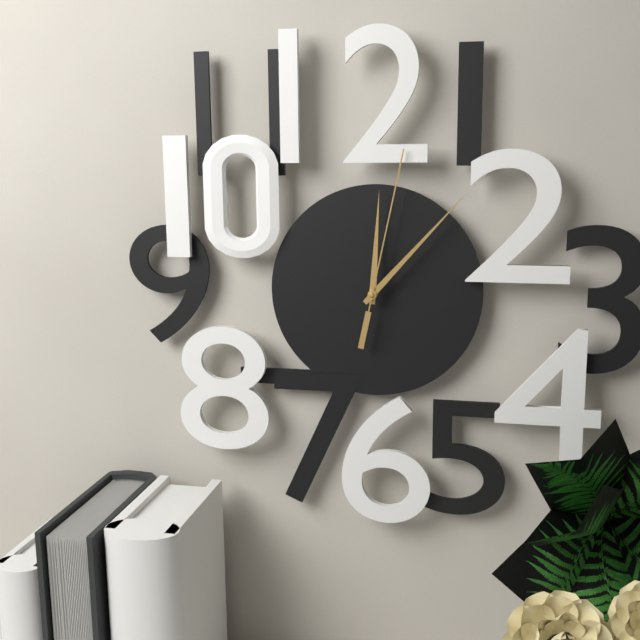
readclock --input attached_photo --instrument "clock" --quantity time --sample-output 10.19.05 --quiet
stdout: 12.07.02
